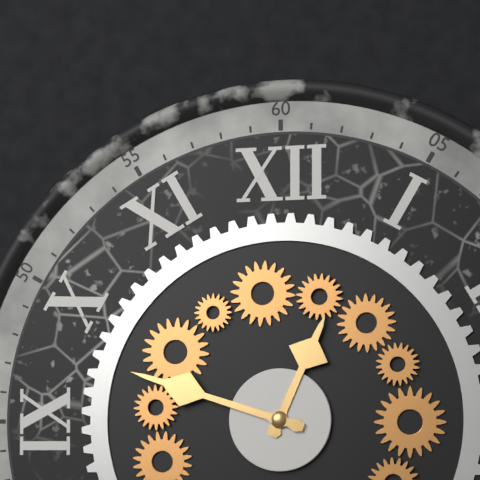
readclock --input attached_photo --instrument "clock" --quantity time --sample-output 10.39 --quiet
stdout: 12.48
